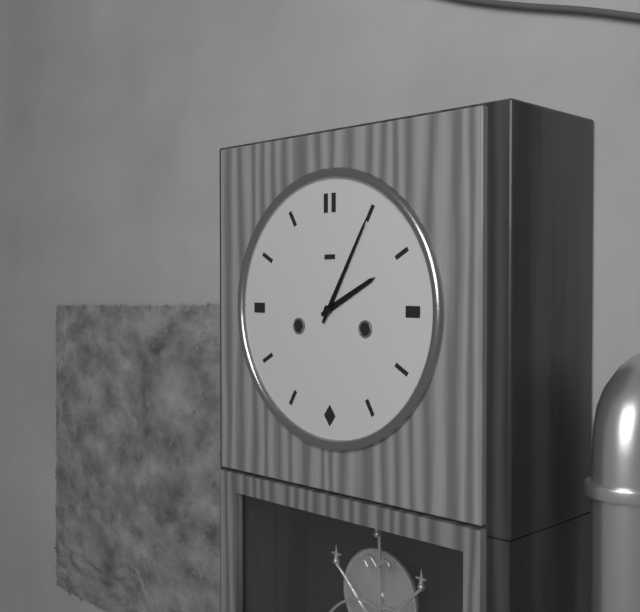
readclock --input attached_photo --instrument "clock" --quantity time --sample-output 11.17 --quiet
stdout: 2.05
